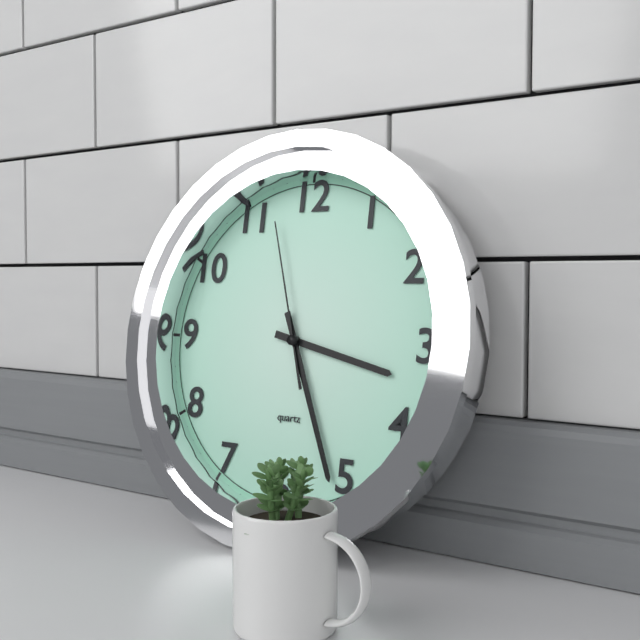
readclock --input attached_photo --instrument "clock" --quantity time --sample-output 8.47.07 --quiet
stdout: 3.26.57
